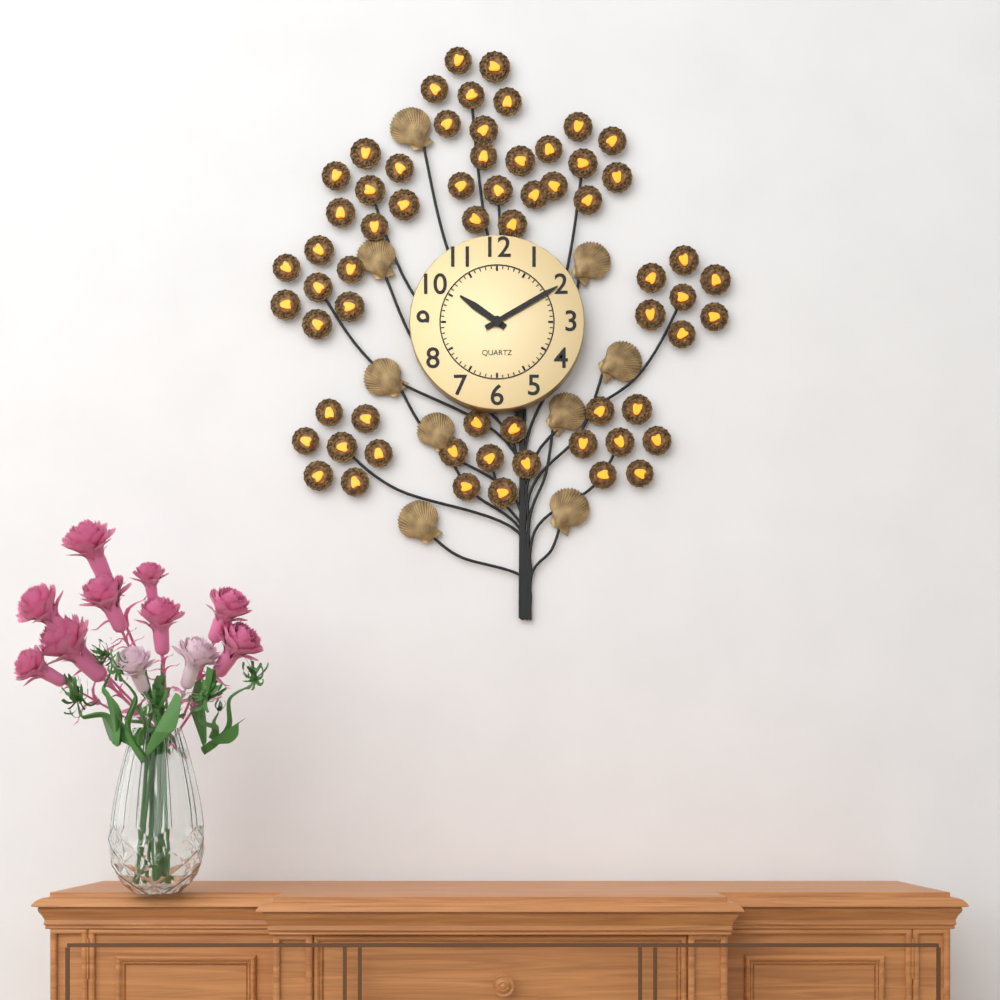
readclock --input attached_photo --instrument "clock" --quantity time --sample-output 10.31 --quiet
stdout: 10.10
